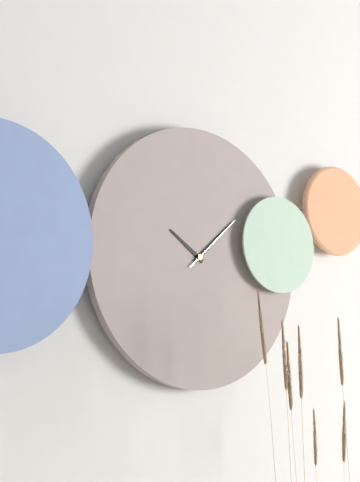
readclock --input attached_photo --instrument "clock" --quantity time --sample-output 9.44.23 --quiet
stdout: 10.08.08
